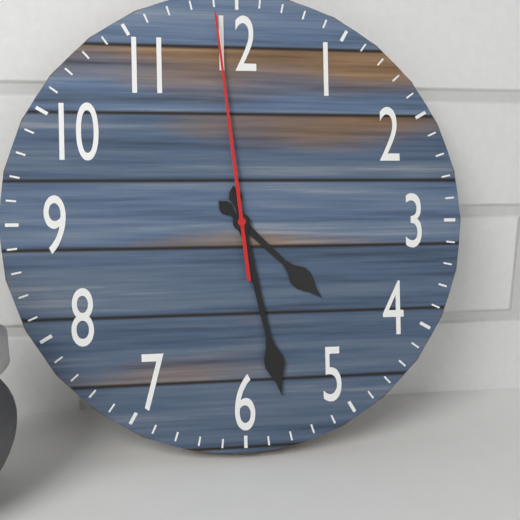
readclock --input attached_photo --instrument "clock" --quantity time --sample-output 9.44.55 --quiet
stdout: 4.28.59
